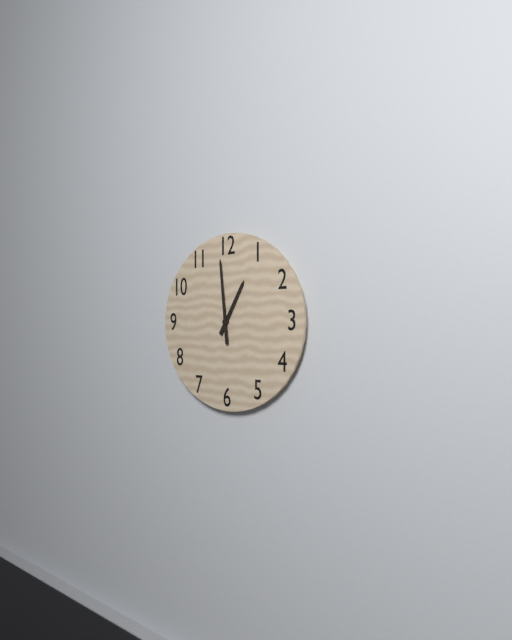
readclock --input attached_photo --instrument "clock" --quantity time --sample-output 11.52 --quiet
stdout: 12.59
